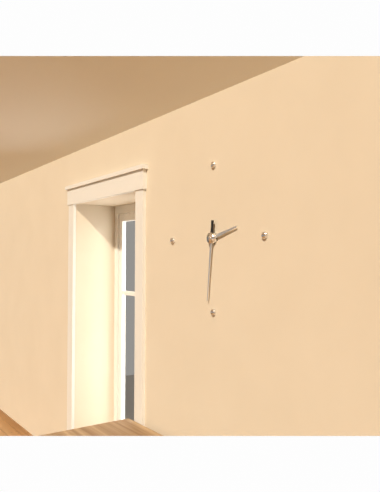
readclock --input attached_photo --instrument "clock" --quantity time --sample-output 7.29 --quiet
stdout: 2.31
